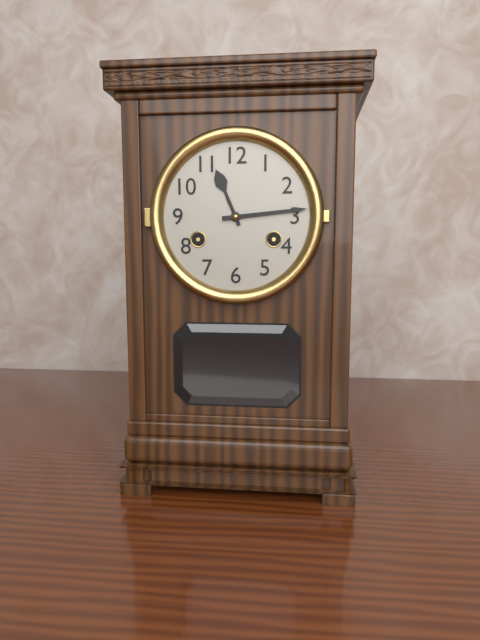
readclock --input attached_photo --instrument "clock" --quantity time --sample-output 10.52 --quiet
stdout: 11.14
